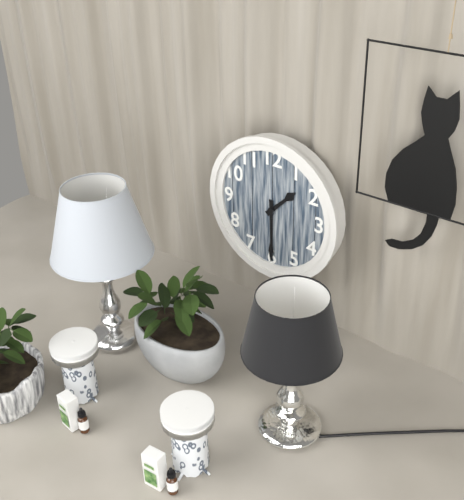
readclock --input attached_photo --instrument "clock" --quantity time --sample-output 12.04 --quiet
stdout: 1.30
